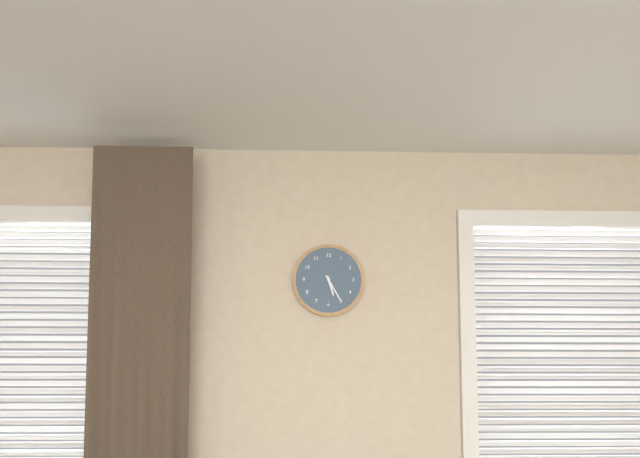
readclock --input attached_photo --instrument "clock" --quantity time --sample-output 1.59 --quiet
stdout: 5.25
